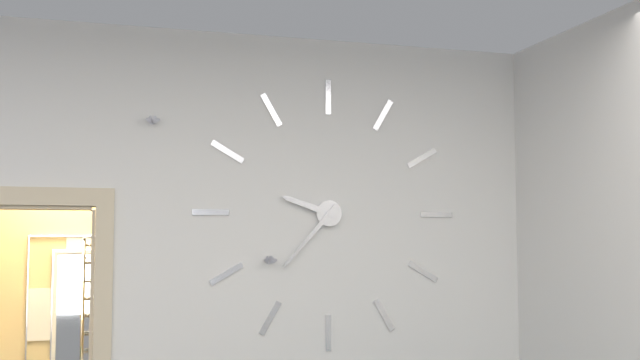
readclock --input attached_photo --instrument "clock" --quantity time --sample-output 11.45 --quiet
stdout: 9.37
